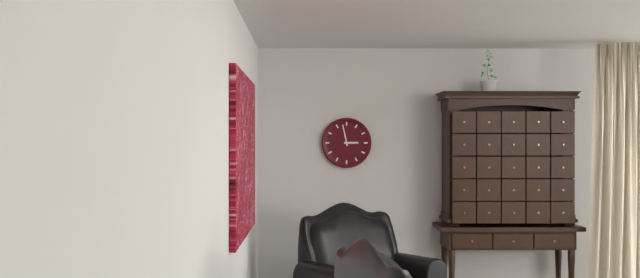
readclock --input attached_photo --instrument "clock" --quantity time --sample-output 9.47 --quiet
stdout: 2.58
